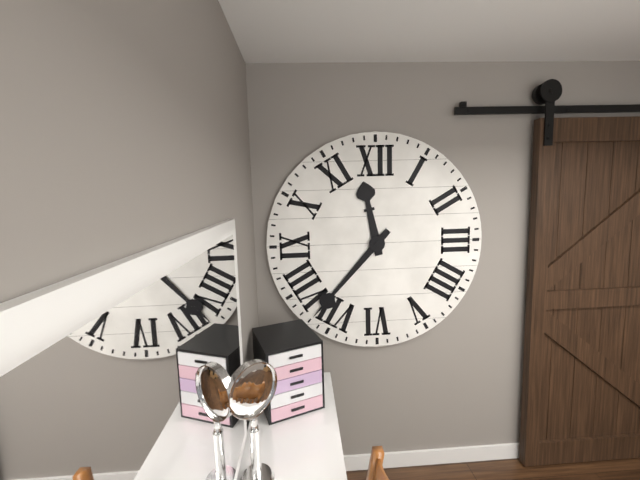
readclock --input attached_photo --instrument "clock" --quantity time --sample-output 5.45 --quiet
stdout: 11.37
